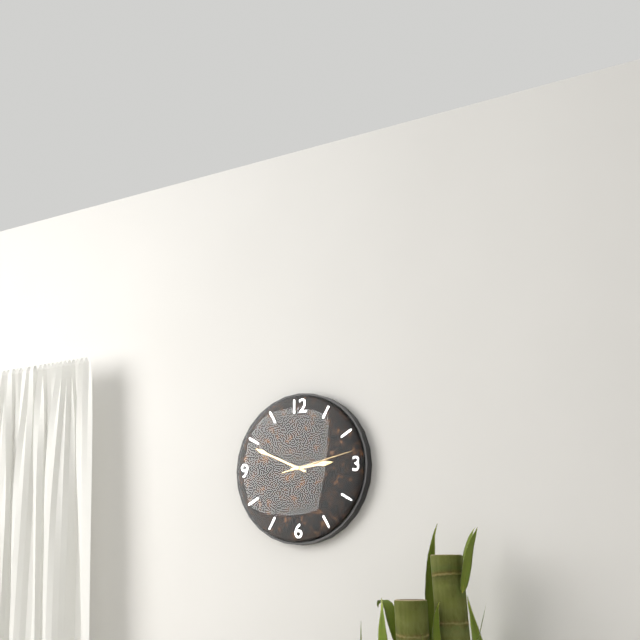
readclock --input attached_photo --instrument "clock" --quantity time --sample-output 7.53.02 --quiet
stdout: 2.49.13
